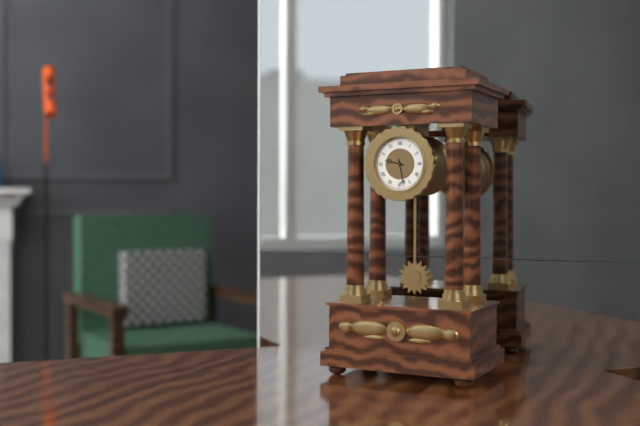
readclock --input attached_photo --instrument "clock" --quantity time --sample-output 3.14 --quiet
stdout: 9.28
